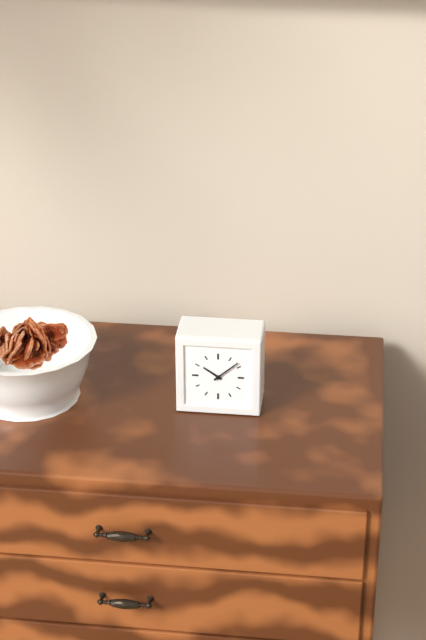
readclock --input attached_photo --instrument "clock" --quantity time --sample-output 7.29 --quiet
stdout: 10.08
